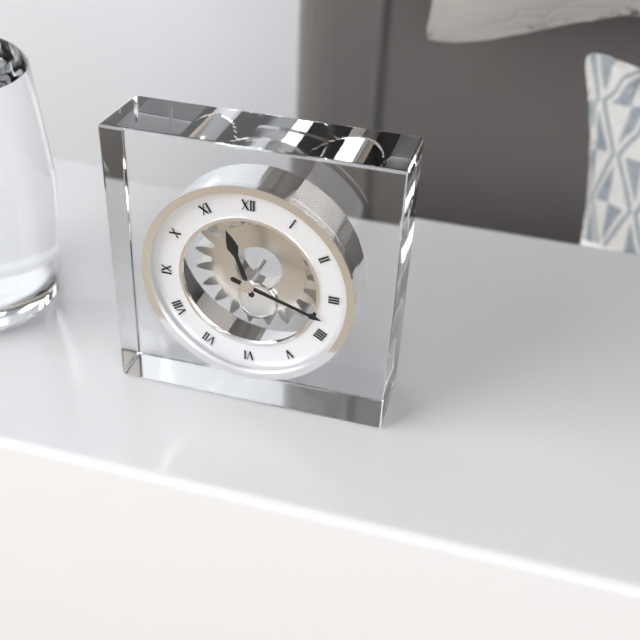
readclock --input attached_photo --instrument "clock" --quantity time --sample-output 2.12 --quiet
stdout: 11.18
